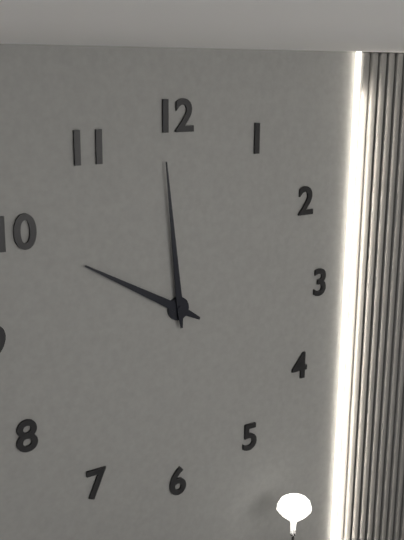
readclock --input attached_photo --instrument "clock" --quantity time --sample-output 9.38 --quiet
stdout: 9.59
